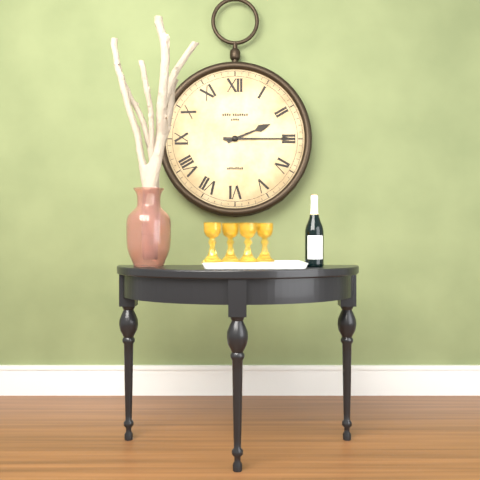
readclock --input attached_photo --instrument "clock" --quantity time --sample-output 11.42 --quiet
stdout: 2.15
